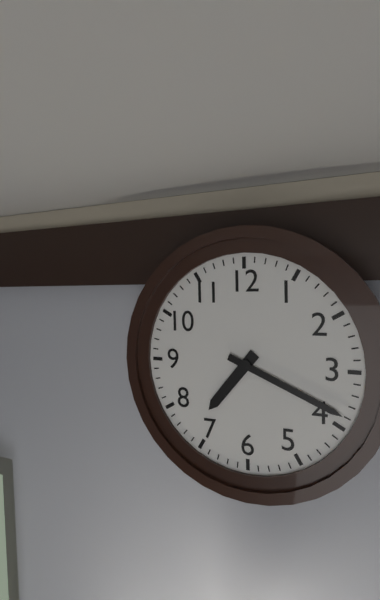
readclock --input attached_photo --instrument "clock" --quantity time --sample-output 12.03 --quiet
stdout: 7.19
